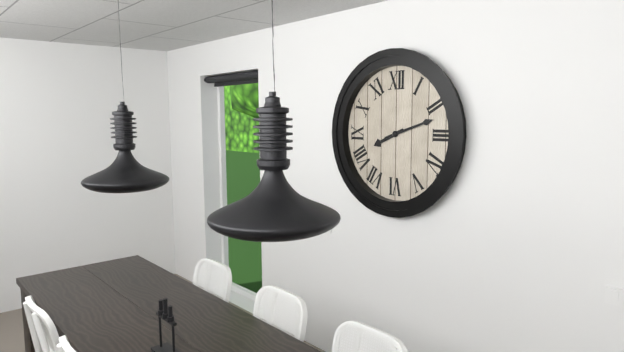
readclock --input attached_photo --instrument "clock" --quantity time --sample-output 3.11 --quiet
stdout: 8.12
